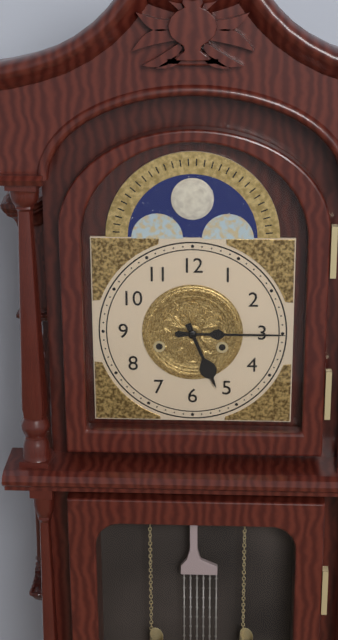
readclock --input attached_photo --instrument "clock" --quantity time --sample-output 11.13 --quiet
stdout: 5.15
